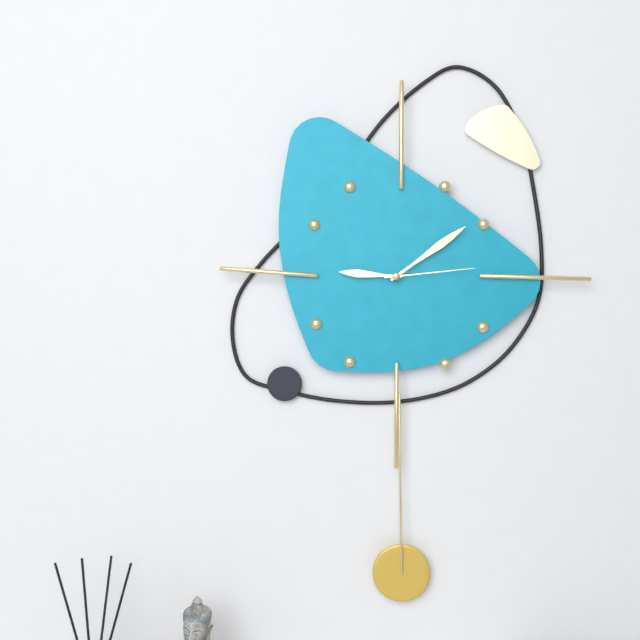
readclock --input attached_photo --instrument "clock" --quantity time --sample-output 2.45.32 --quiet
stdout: 9.09.14
